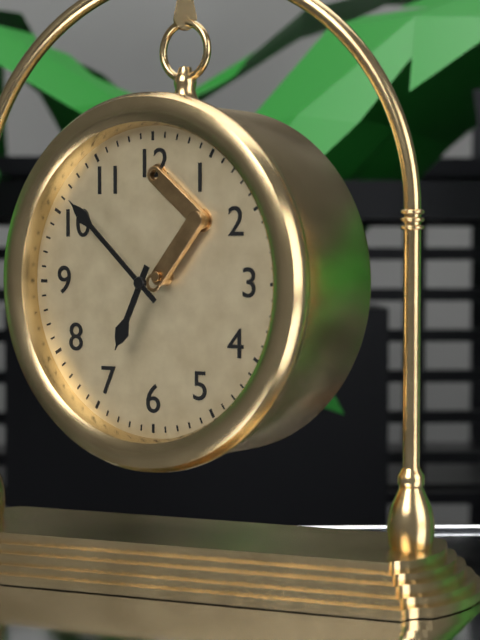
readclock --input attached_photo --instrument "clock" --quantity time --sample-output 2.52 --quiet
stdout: 6.52
